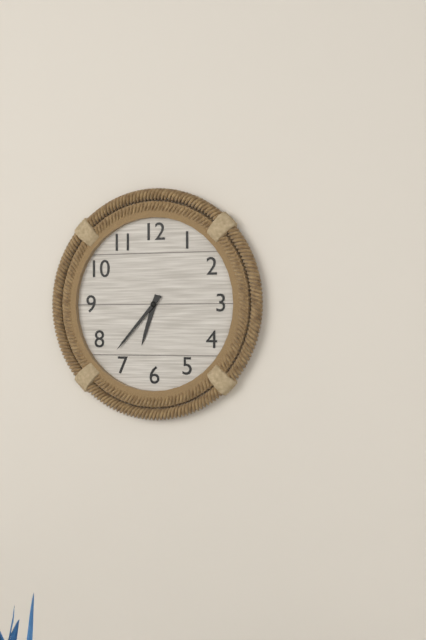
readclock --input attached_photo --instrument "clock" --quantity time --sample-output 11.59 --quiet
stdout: 6.37
